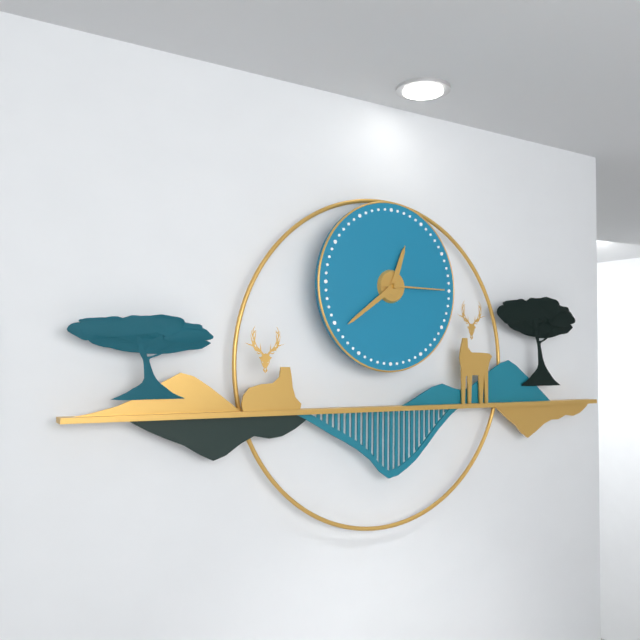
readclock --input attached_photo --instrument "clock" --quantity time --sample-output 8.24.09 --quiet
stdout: 12.39.15
